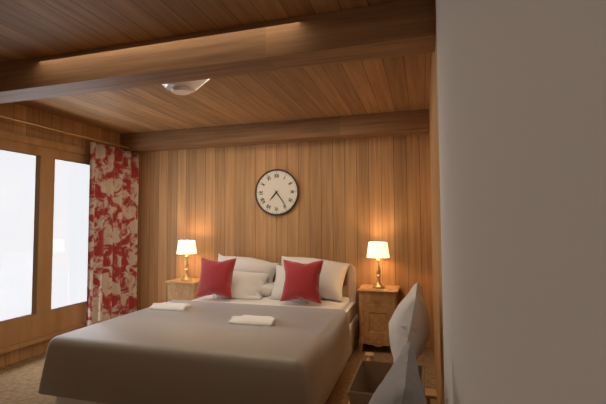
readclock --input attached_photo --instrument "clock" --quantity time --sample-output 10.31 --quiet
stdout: 7.24
